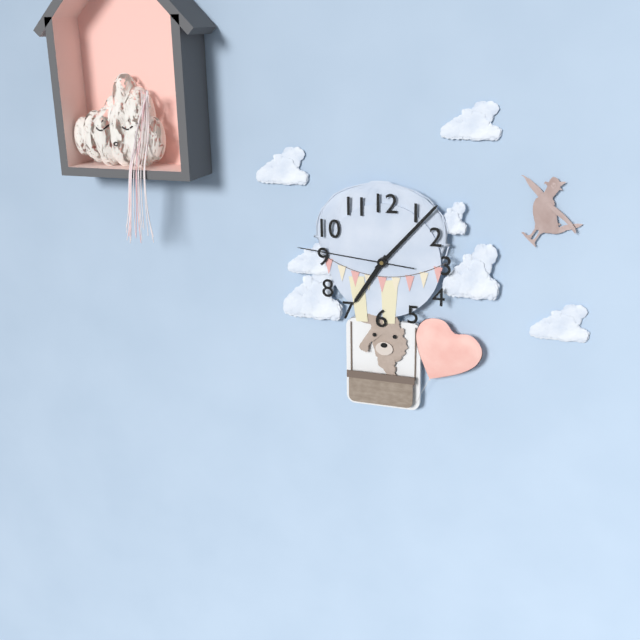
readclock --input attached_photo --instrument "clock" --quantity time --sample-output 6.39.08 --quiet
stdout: 7.07.46
